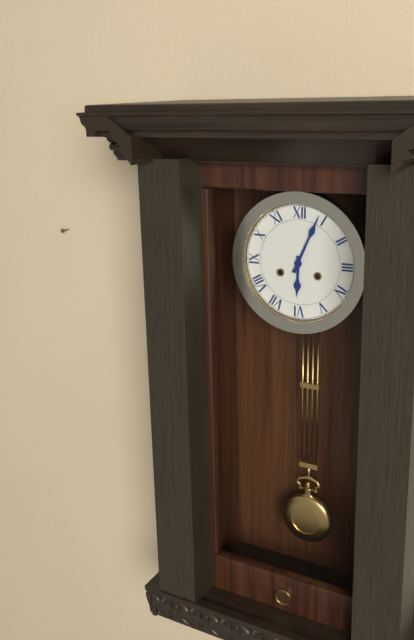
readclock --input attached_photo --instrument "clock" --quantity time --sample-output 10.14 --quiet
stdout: 6.04
